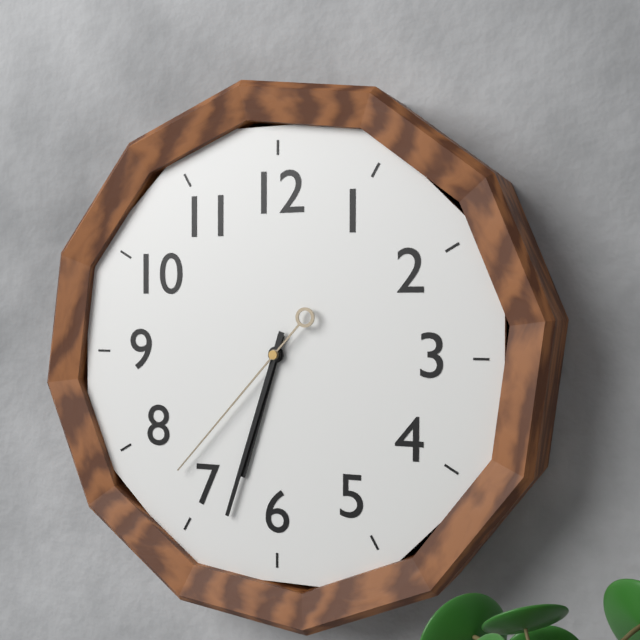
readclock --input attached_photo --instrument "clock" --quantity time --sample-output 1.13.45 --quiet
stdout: 6.33.37
